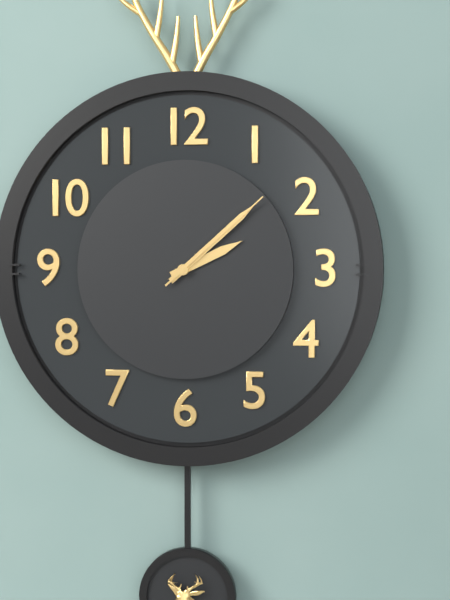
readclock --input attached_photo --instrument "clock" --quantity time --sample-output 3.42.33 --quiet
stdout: 2.08.08
